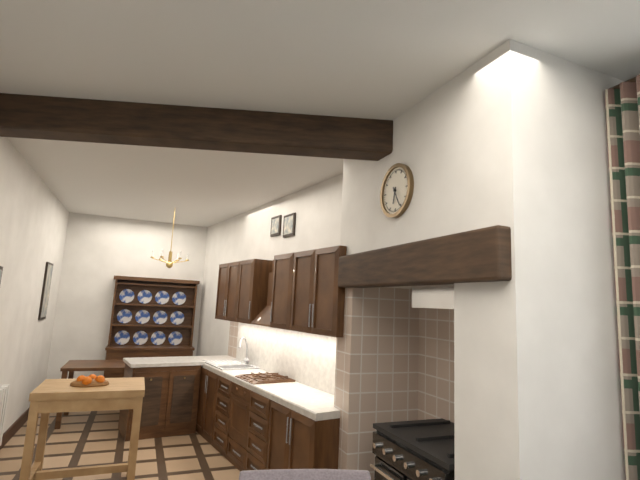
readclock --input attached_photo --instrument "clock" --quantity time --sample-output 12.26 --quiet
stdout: 6.25
